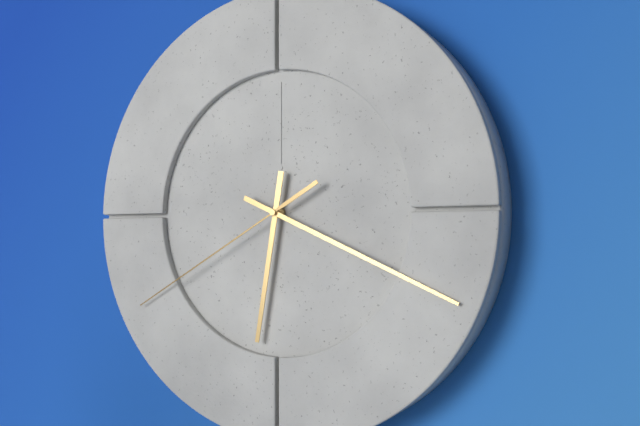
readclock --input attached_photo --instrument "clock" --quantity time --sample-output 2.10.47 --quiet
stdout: 6.19.40
